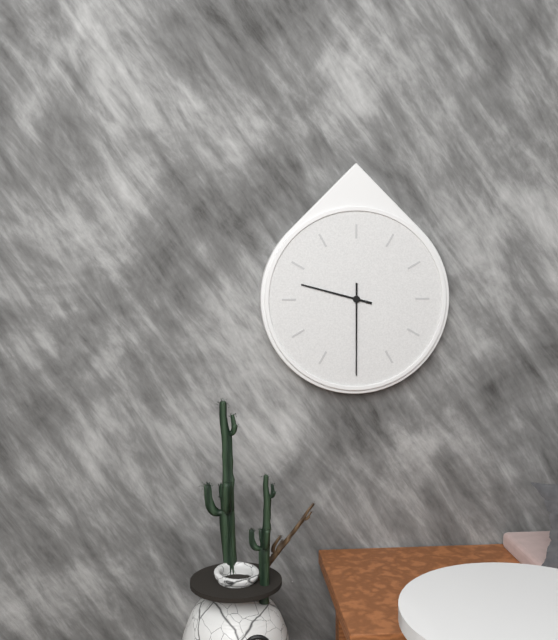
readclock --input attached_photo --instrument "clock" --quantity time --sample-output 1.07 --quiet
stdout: 9.30
